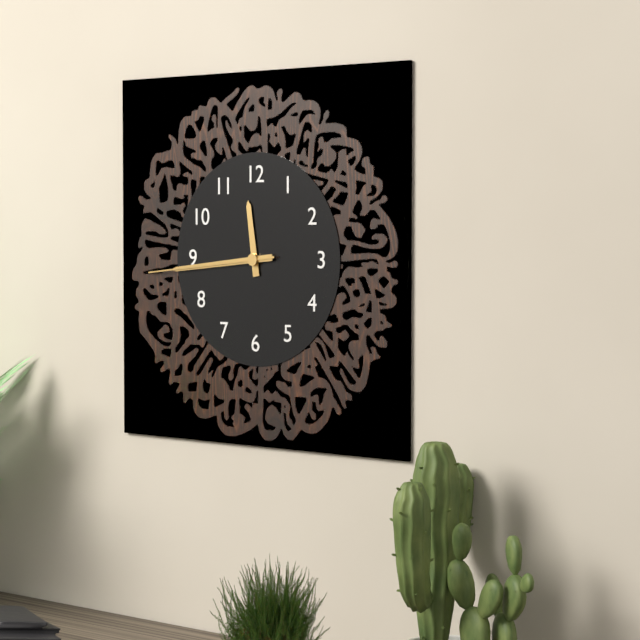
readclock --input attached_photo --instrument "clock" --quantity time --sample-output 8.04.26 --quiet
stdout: 11.44.44
